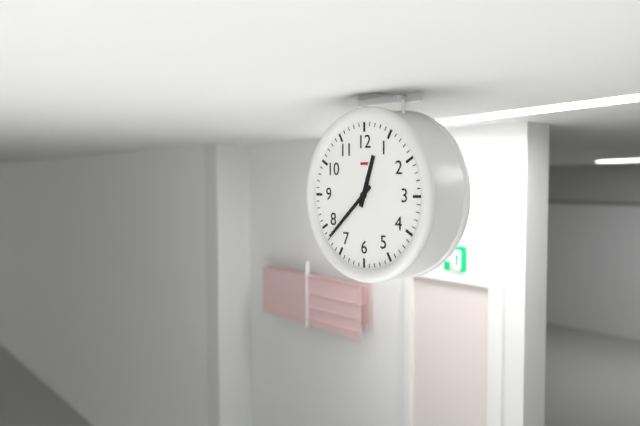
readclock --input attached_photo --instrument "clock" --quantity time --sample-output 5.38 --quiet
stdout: 12.38
